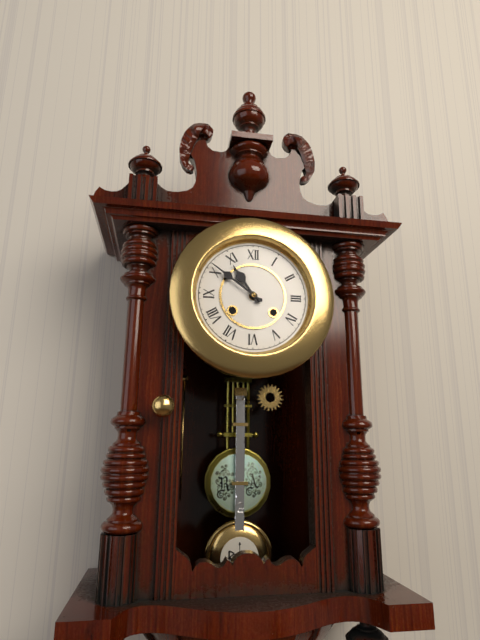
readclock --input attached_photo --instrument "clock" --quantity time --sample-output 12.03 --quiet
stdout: 10.51
